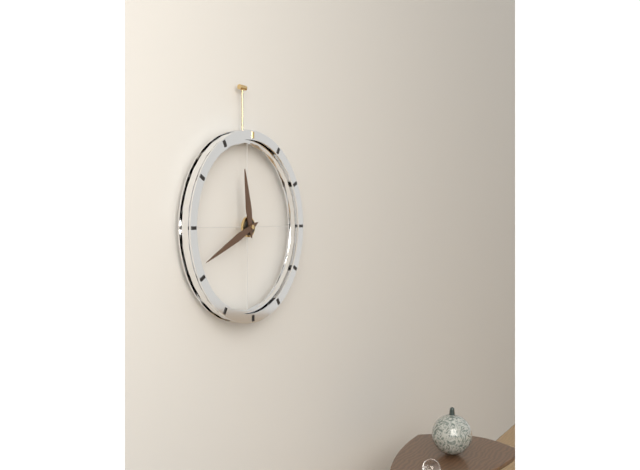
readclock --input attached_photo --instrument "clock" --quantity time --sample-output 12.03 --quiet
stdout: 11.41
